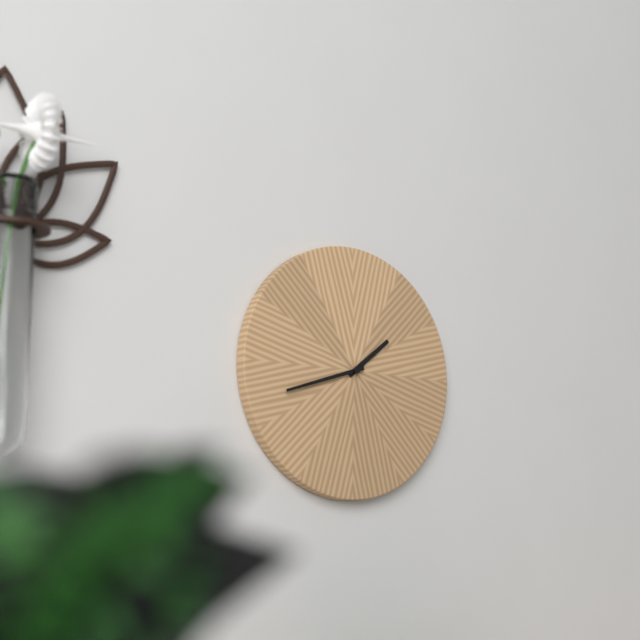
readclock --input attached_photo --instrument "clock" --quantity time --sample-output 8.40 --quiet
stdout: 1.42
